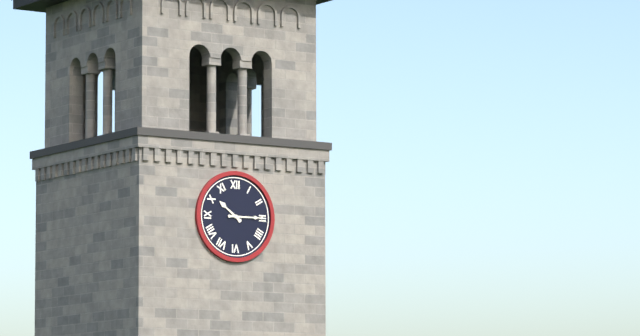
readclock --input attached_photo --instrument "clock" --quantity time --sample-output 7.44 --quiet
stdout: 10.15
